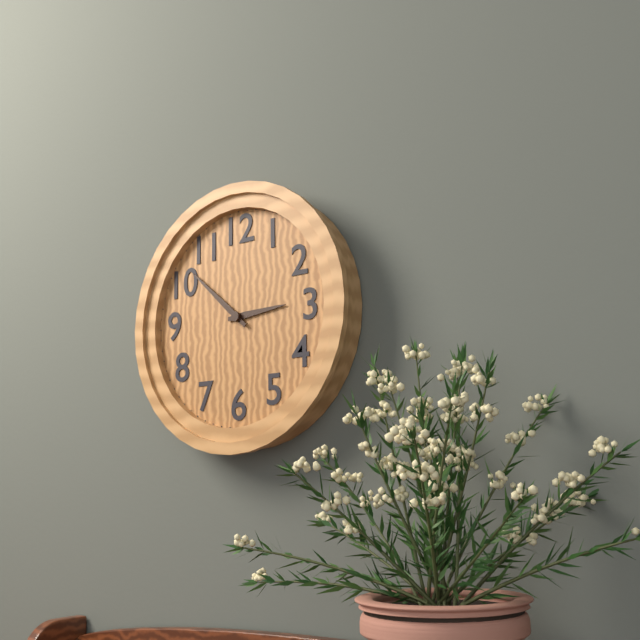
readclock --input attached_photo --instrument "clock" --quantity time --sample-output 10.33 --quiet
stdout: 2.52
